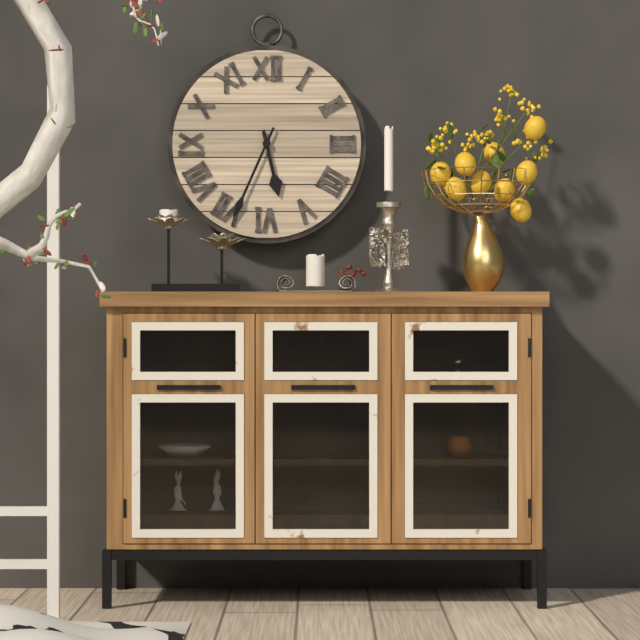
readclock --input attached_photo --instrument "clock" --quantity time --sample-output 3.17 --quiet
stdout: 5.34
